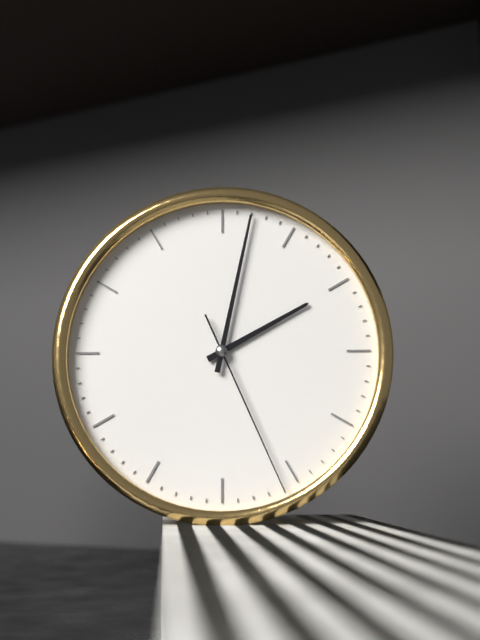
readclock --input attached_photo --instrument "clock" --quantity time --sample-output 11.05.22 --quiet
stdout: 2.02.26
